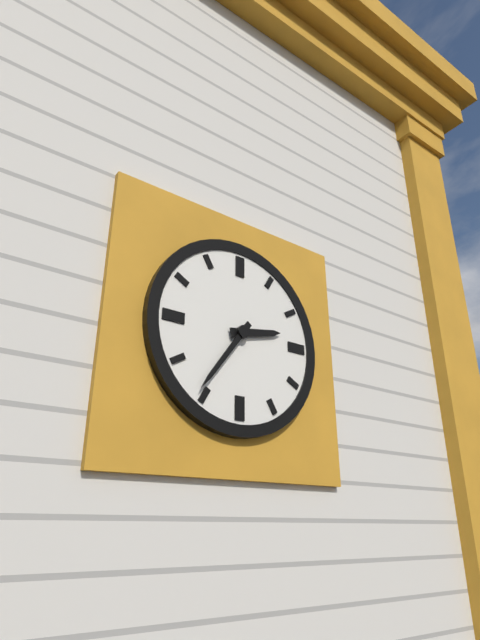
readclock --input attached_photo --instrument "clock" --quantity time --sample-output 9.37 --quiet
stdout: 2.36
